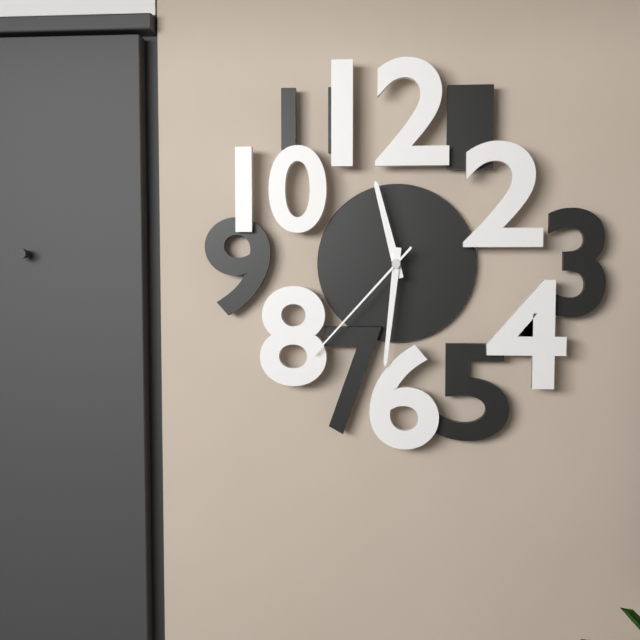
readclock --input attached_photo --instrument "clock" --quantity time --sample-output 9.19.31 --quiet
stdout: 11.31.37
